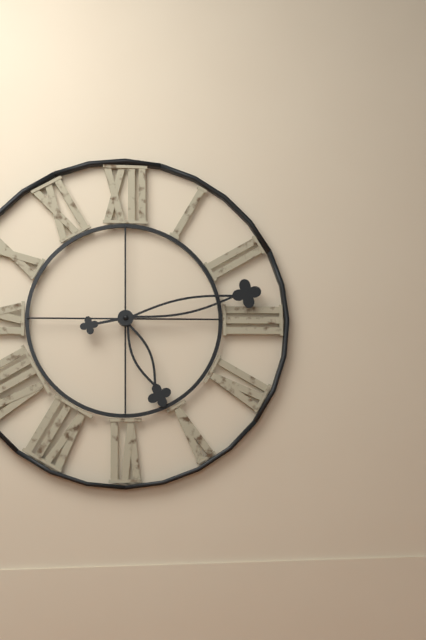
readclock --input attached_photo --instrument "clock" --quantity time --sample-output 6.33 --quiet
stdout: 5.13
